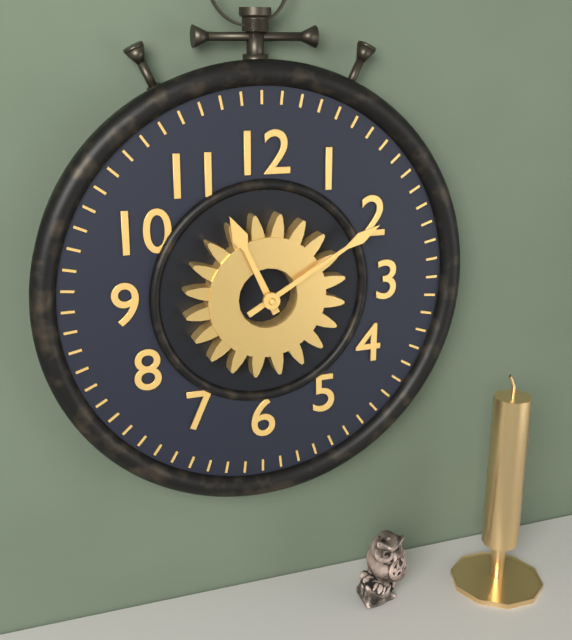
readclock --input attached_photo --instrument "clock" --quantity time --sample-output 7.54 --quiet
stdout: 11.10
